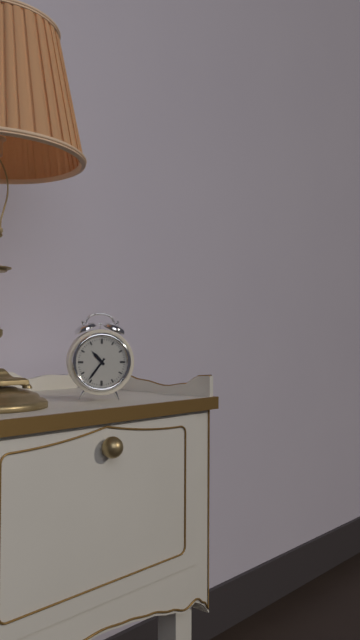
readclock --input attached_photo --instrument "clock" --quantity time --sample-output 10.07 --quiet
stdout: 10.36
